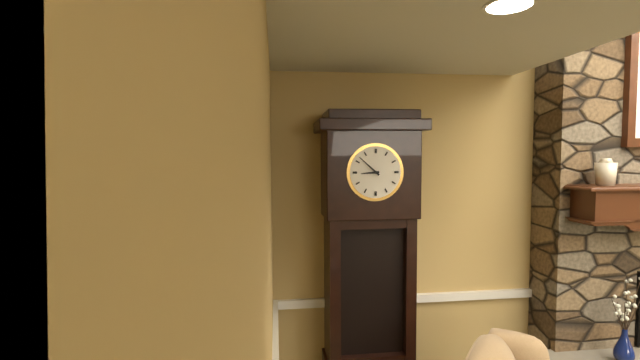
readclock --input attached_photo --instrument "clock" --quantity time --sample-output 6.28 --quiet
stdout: 8.52
